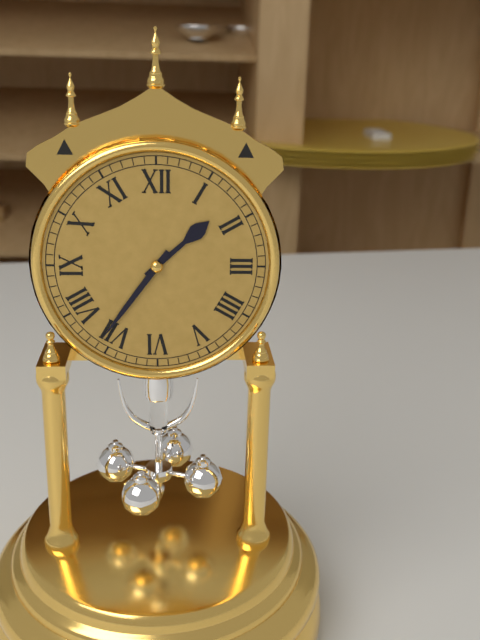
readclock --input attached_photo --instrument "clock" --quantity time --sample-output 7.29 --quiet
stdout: 1.36
